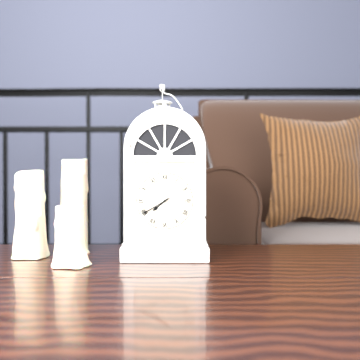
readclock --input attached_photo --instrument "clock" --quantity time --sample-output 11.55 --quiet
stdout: 7.40
